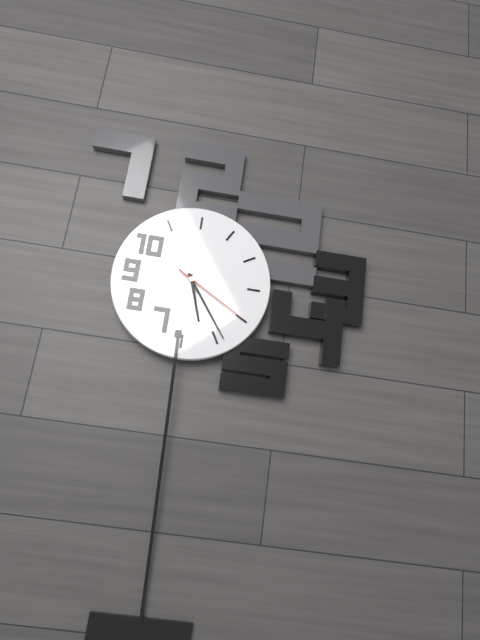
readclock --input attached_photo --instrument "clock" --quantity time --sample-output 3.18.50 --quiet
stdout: 5.24.20
